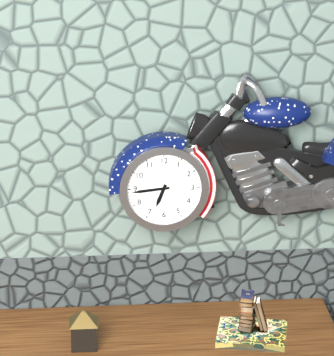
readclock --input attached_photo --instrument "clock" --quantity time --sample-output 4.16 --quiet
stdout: 6.44
